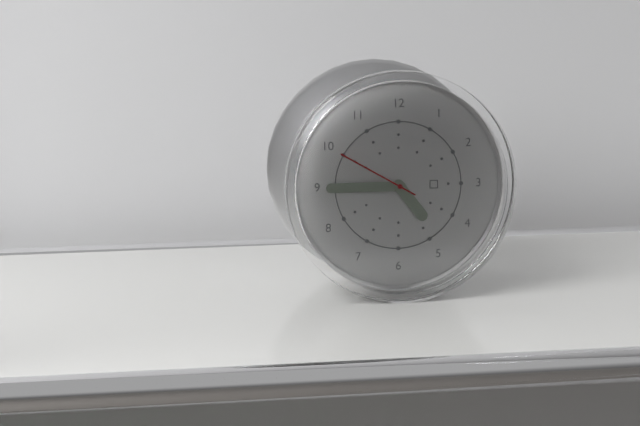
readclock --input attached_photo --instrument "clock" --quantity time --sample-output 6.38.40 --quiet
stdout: 4.45.50
